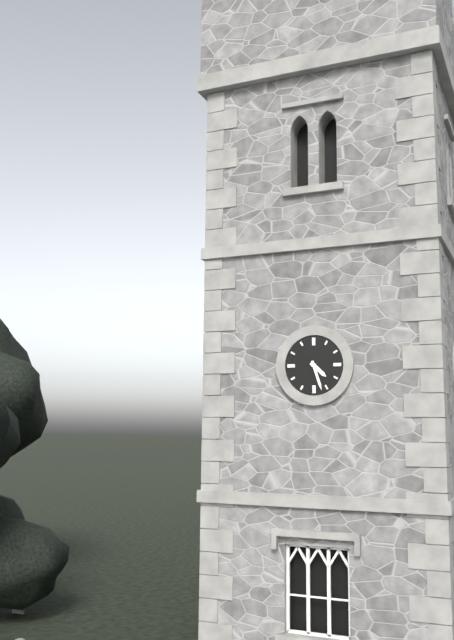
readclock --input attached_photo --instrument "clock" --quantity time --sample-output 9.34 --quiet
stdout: 4.27
